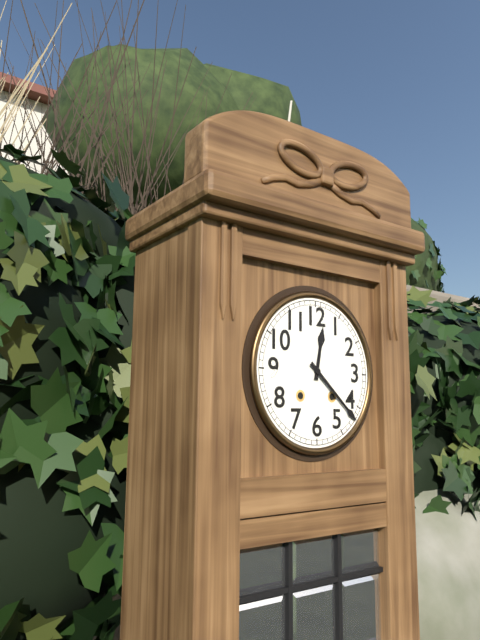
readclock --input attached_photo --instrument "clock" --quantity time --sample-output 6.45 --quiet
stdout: 12.22
